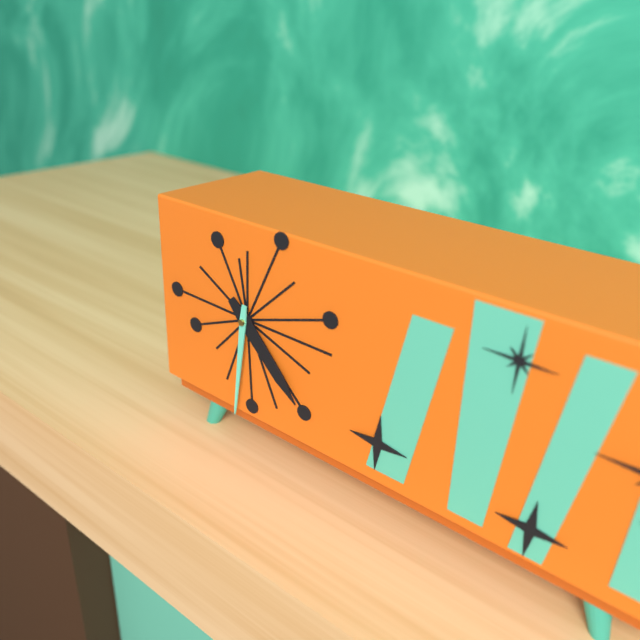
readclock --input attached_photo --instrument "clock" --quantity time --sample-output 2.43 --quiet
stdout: 4.31
